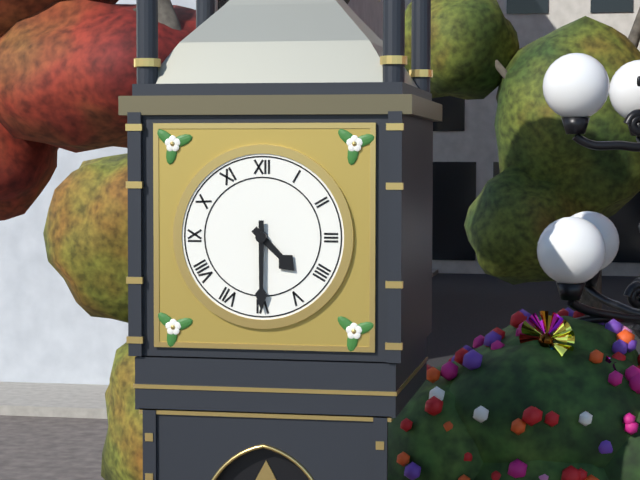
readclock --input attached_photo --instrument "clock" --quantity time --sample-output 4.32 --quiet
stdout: 4.30
